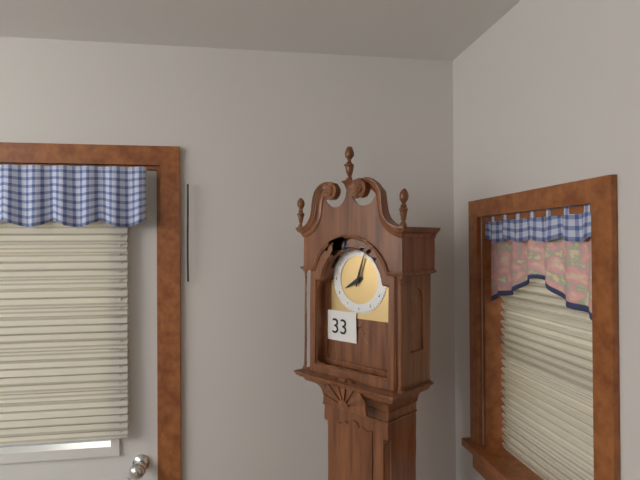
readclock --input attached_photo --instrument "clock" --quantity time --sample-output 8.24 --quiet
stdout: 8.03
